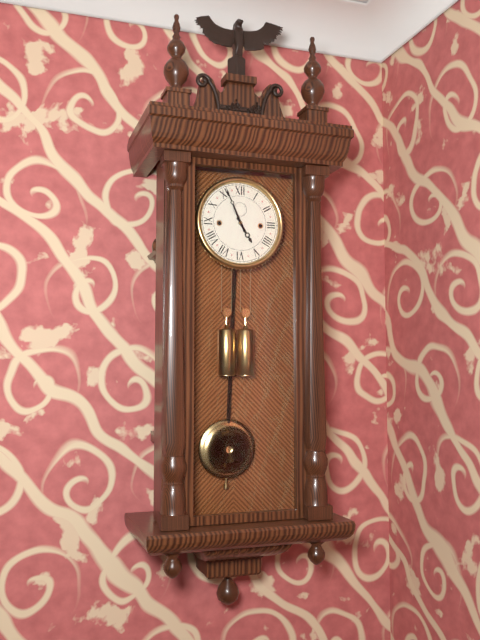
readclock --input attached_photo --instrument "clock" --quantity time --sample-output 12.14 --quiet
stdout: 4.56
